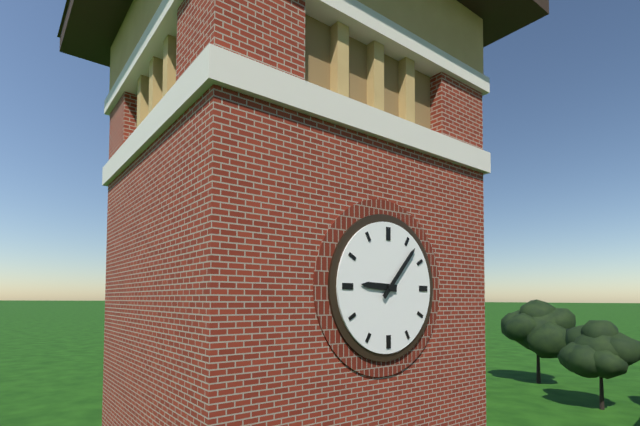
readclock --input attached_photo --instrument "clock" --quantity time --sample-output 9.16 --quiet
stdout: 9.07
